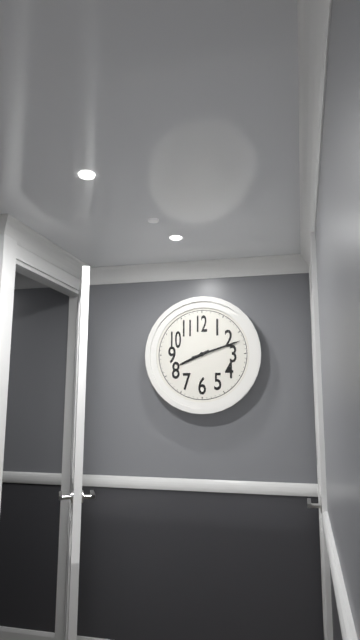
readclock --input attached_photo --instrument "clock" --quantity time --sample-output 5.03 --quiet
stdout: 8.12
